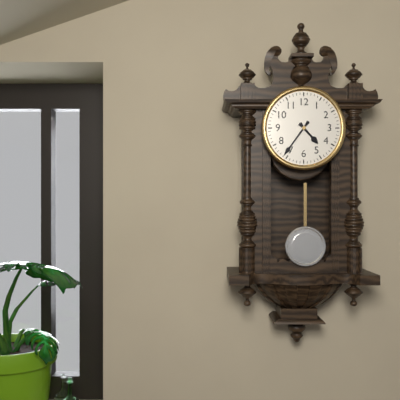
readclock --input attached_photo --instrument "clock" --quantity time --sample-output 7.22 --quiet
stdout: 4.36
